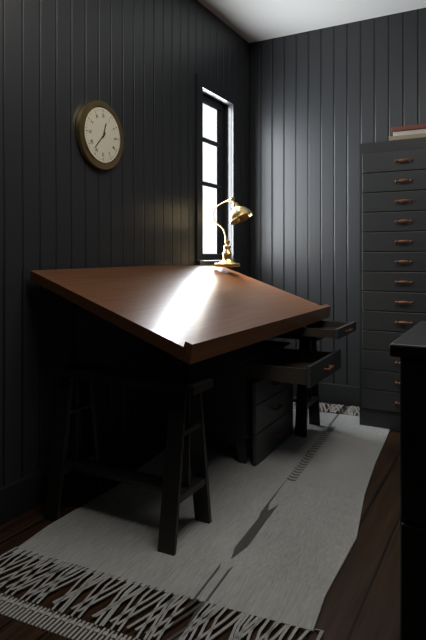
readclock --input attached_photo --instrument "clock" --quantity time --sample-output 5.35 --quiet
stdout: 12.37
